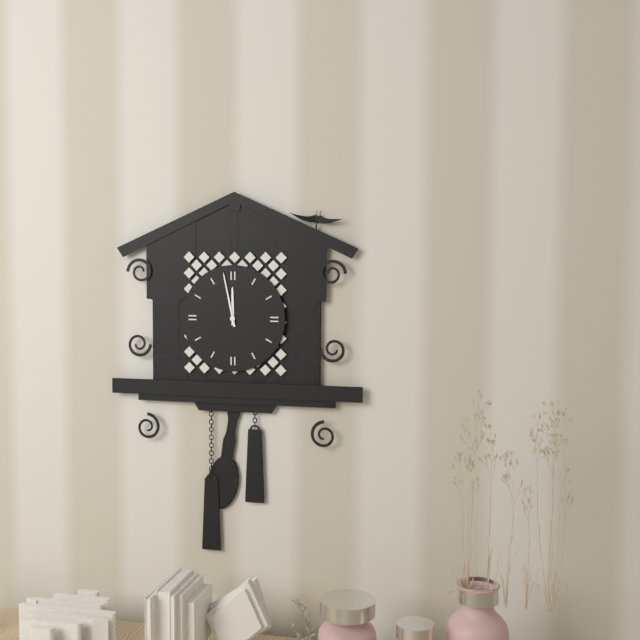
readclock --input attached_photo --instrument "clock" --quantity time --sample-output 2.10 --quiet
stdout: 11.58
